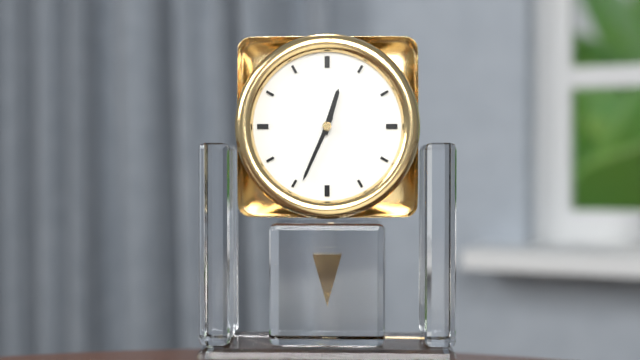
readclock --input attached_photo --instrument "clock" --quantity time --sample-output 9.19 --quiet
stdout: 12.34
